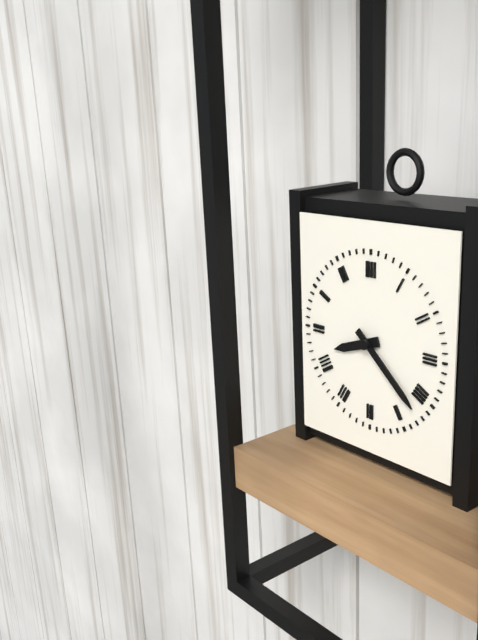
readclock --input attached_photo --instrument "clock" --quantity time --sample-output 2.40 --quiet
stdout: 8.22
